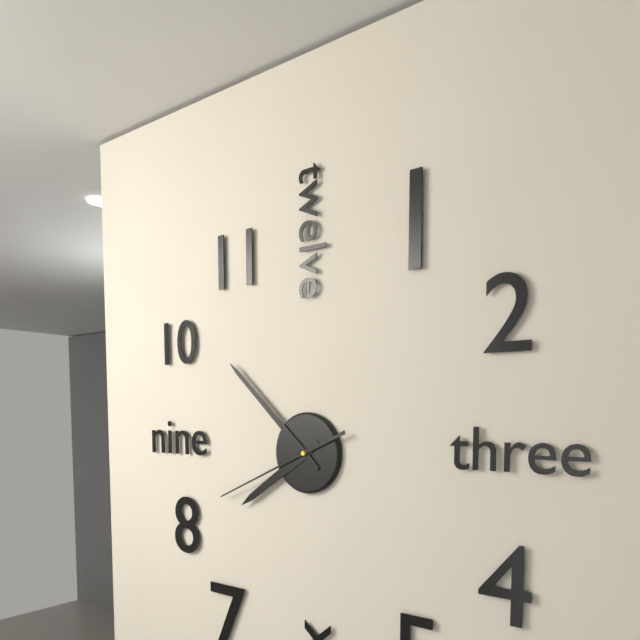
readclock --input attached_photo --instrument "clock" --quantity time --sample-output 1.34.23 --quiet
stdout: 7.52.41
